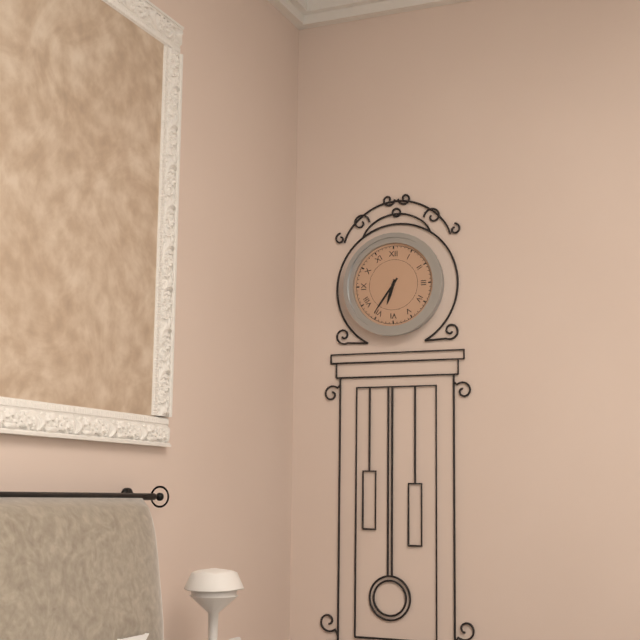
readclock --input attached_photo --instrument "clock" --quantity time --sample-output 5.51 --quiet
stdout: 6.36
